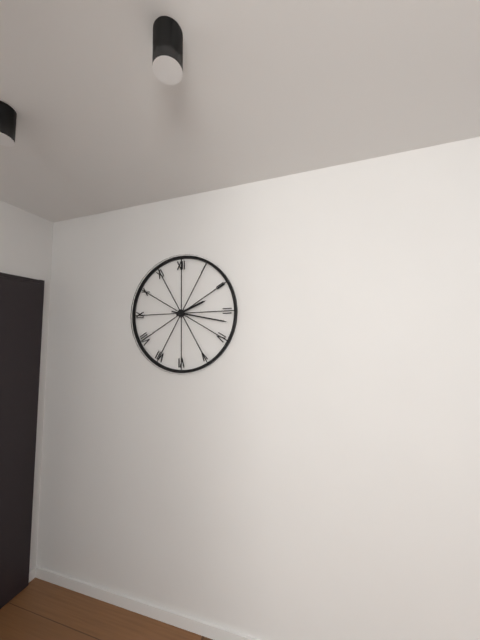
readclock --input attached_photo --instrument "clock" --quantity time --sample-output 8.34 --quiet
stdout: 2.17
